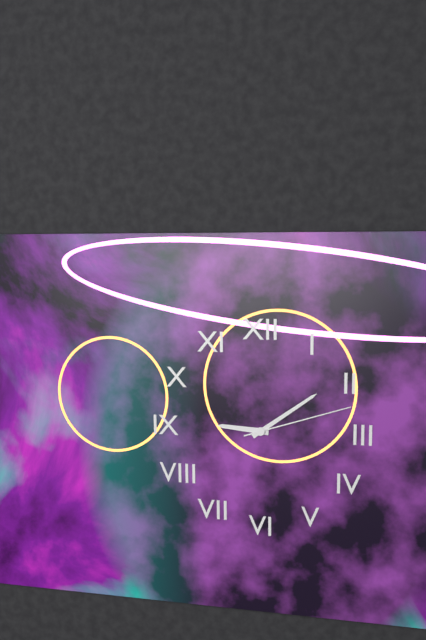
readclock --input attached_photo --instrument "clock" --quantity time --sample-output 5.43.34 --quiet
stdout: 9.09.12
